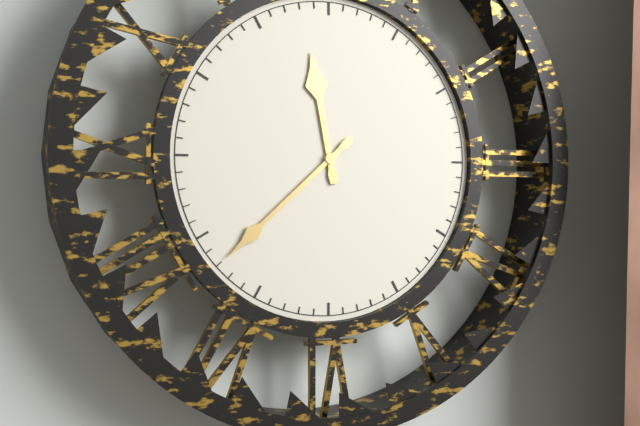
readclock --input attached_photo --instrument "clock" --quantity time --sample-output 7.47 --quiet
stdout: 11.38
